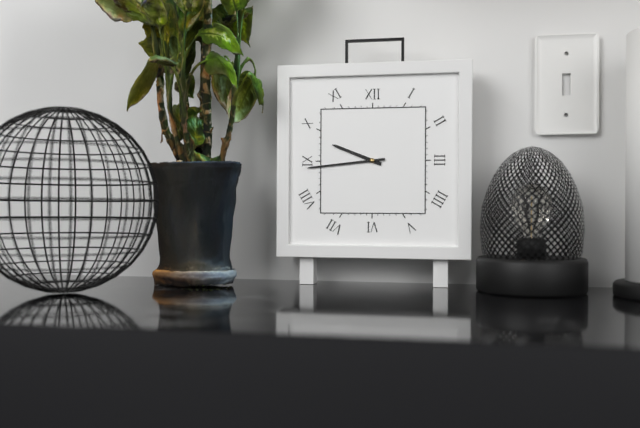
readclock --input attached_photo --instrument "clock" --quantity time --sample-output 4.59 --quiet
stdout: 9.44
